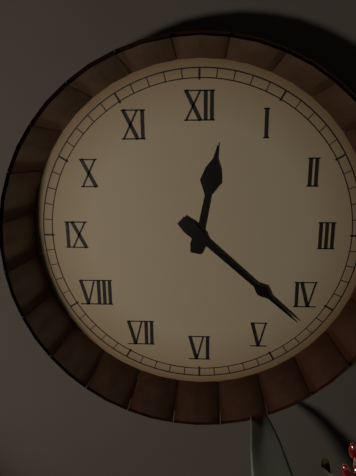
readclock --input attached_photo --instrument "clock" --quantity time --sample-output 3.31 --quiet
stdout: 12.22
